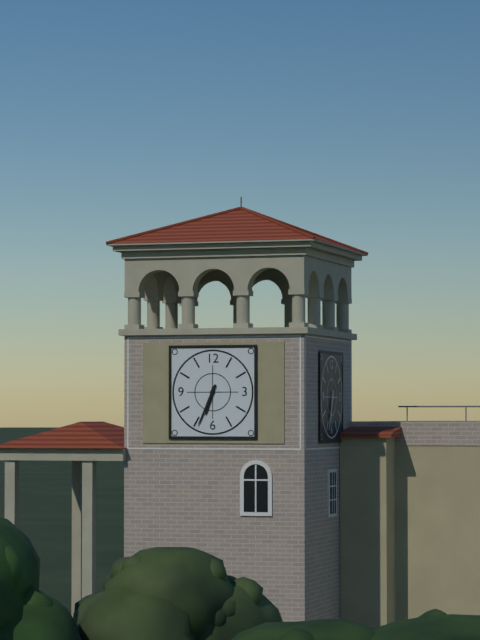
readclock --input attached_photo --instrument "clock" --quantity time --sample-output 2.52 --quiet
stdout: 6.34
